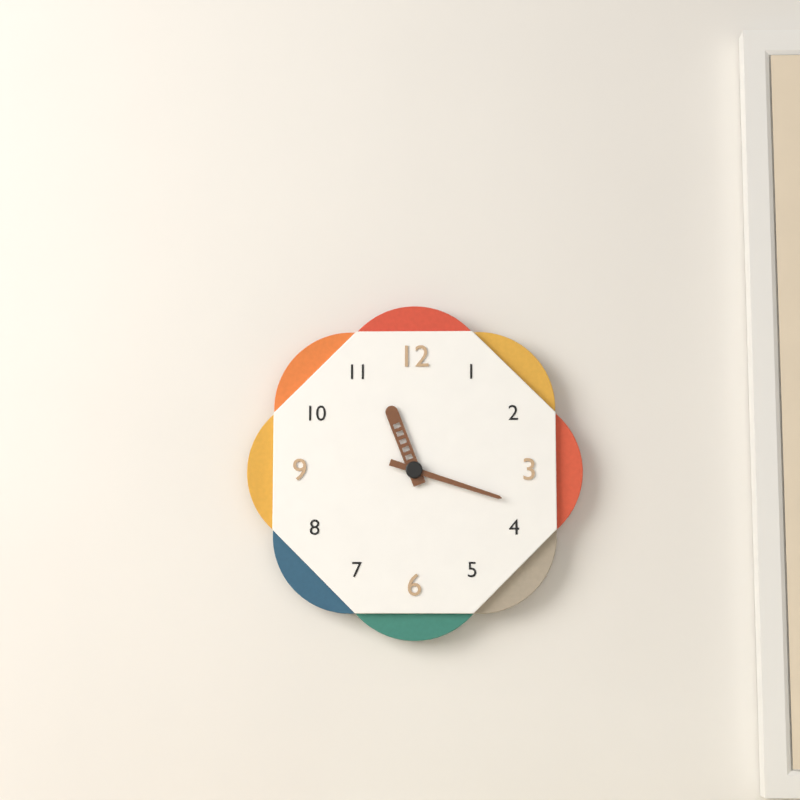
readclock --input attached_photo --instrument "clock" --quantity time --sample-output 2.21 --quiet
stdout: 11.18
